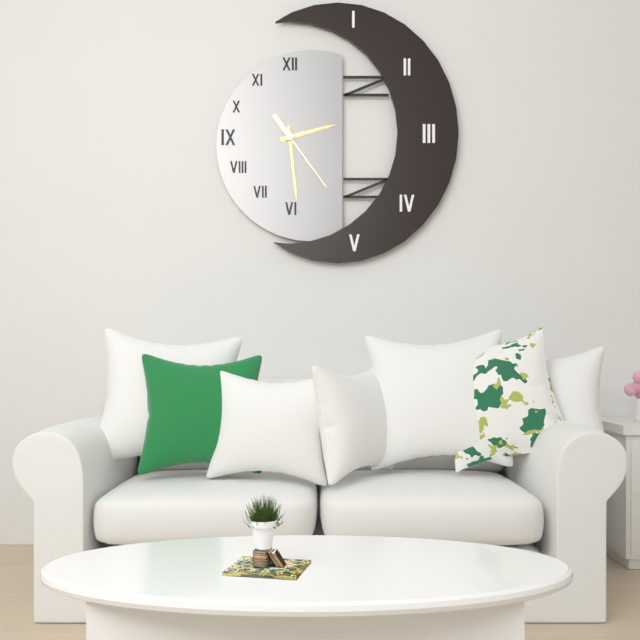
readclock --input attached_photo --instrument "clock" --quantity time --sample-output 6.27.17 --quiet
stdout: 2.29.24
